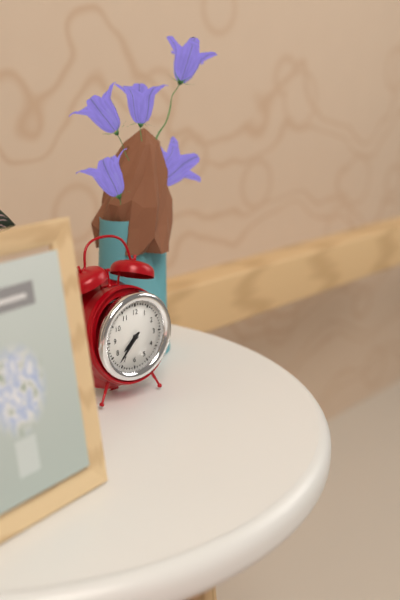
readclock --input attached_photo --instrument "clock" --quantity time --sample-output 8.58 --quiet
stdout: 7.37
